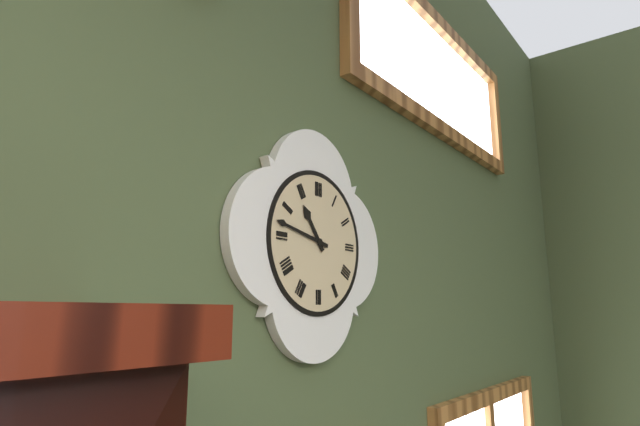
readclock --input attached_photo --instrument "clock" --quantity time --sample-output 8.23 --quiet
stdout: 10.47
